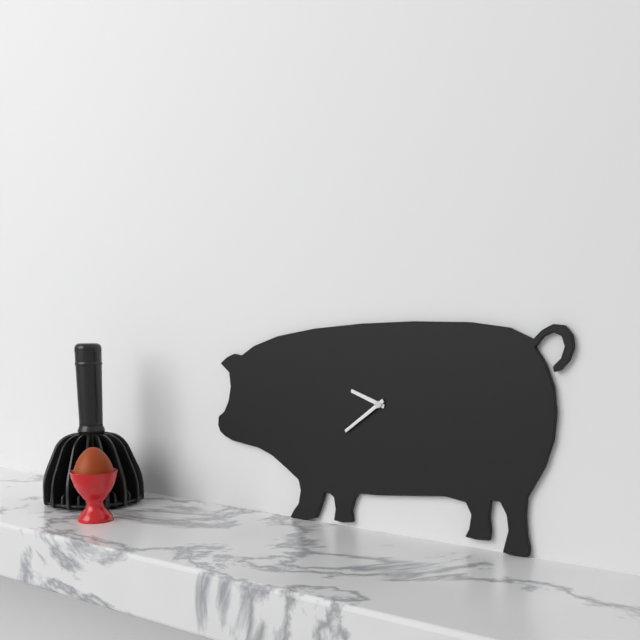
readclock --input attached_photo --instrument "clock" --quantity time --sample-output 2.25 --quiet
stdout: 9.39
